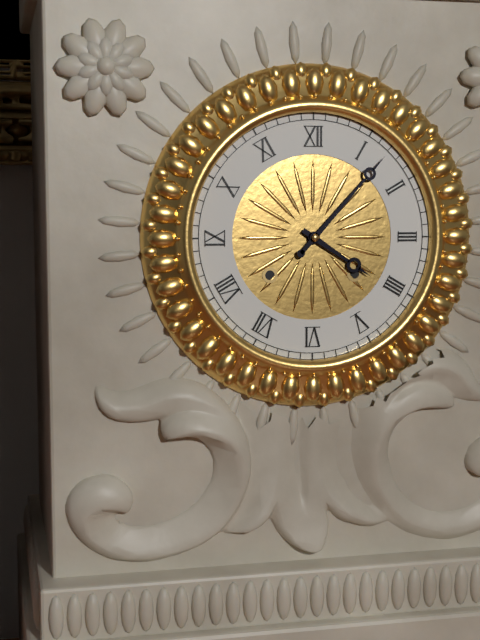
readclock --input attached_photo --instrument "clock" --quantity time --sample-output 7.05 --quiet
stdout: 4.07
